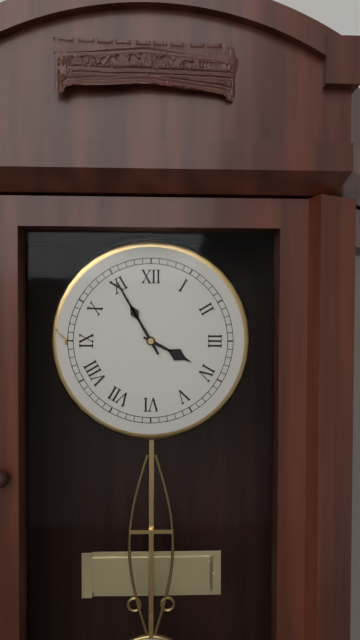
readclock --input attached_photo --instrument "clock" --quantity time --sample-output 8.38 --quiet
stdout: 3.55
